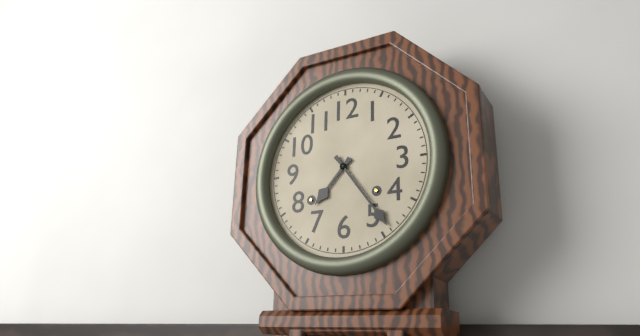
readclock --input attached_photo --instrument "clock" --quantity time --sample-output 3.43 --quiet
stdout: 7.24
